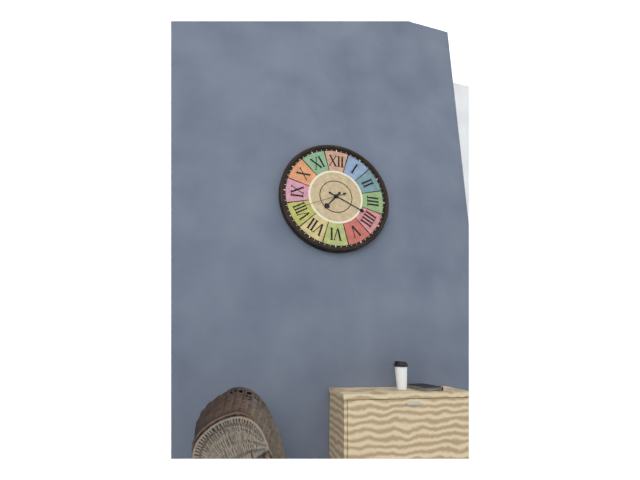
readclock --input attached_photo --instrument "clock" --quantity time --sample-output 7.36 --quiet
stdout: 7.19
